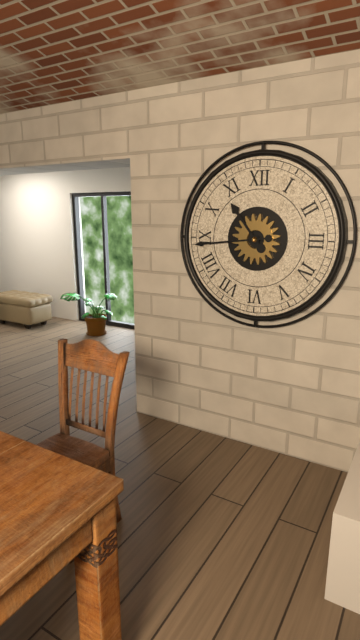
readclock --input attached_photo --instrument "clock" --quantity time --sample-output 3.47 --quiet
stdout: 10.44
